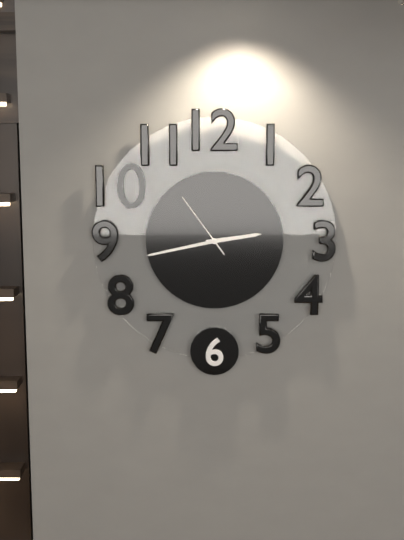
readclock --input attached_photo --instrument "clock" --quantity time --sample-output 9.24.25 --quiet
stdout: 2.43.54
